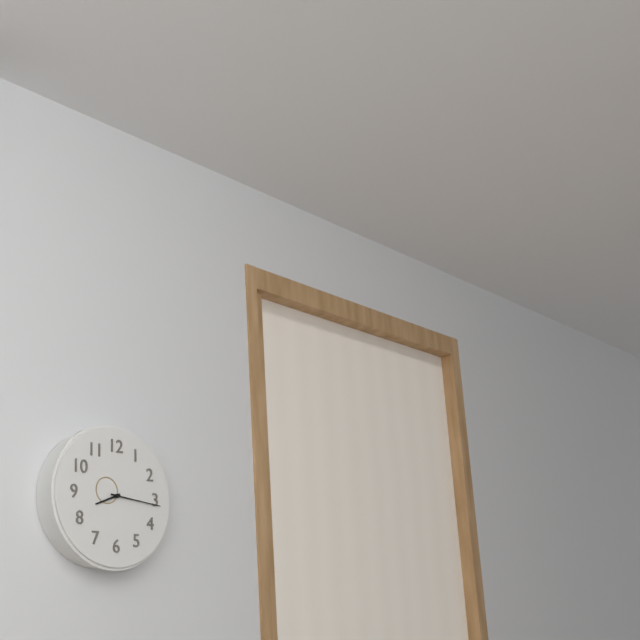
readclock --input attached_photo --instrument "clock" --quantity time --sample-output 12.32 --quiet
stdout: 8.16
